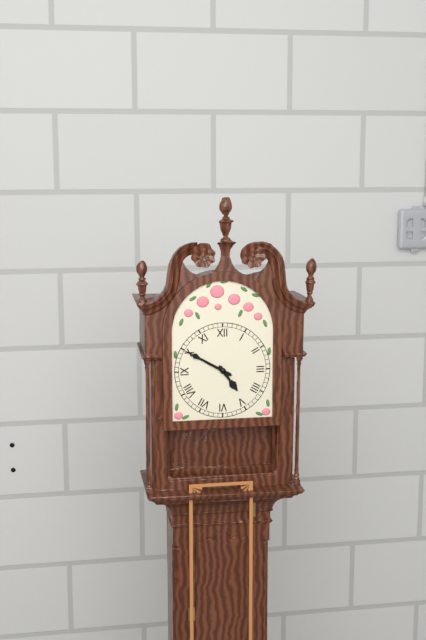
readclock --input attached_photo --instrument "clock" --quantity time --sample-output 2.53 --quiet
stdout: 4.50
